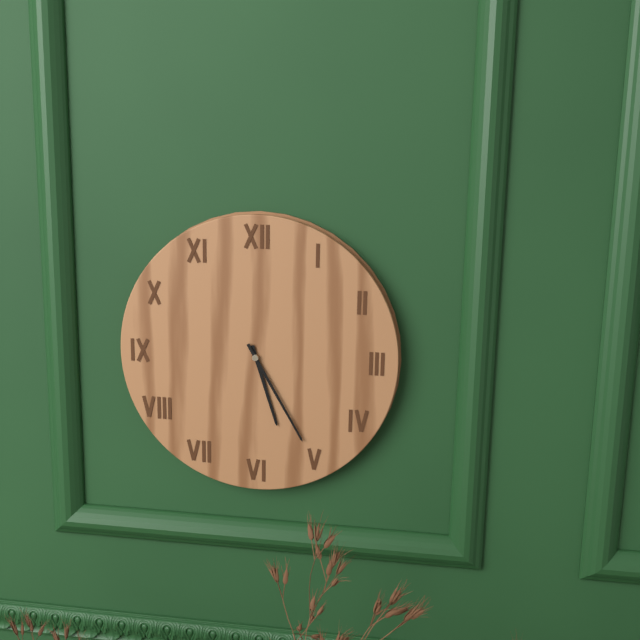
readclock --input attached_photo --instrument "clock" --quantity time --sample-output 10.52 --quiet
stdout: 5.25
